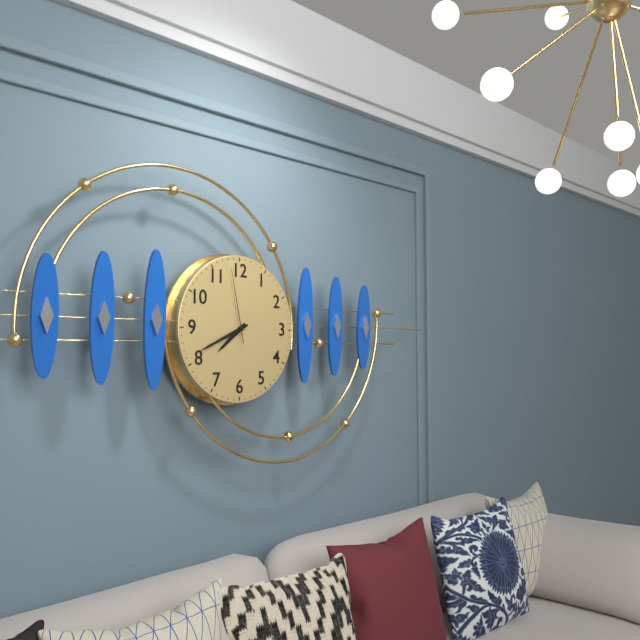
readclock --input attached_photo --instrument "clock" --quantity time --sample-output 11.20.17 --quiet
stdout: 7.41.58
